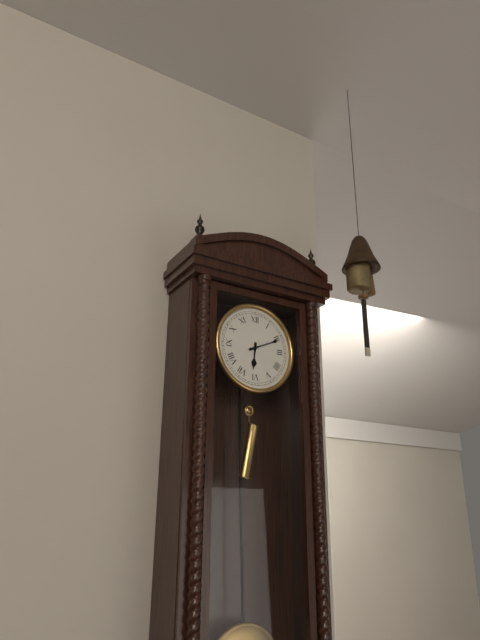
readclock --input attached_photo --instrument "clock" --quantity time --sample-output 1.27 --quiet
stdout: 6.11
